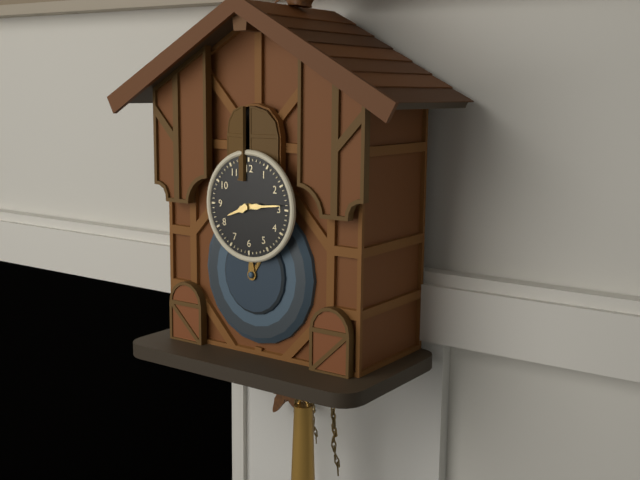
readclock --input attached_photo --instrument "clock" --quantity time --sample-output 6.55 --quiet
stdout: 8.14
